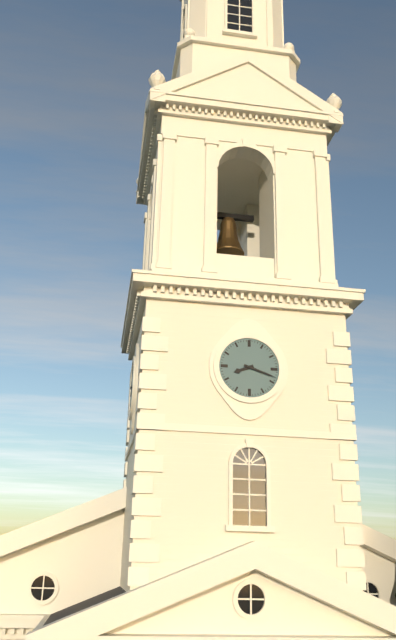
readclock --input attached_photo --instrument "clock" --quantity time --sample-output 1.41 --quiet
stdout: 8.18
